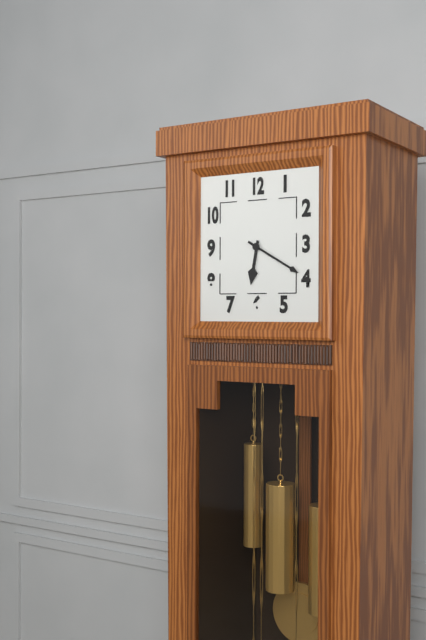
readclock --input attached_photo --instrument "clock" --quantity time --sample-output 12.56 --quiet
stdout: 6.20
